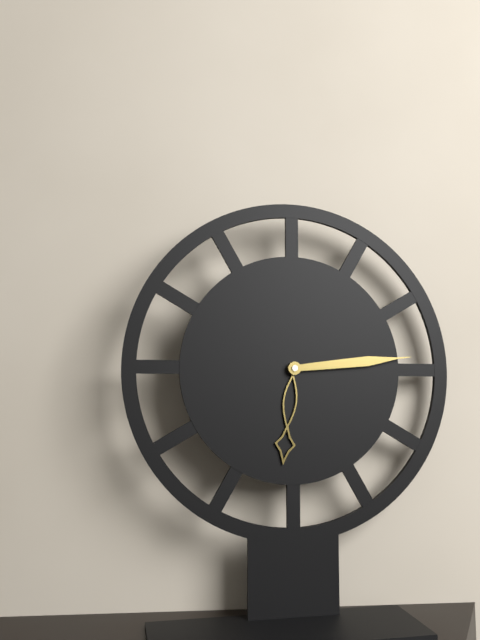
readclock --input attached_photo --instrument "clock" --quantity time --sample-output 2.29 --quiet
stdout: 6.14
